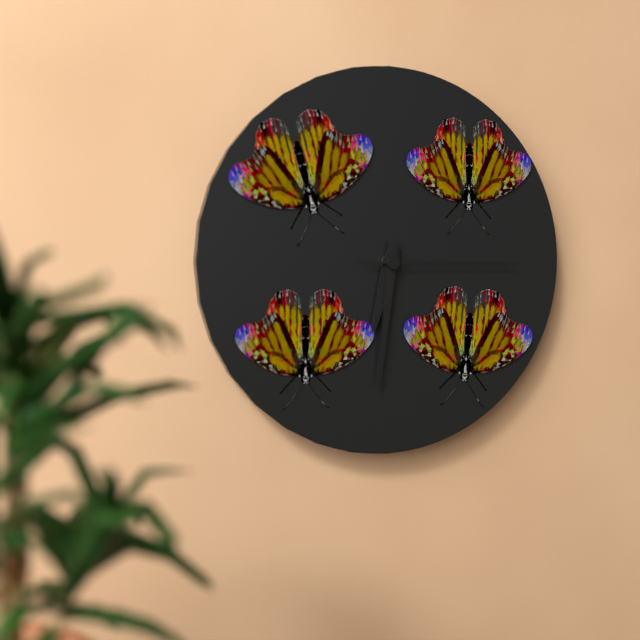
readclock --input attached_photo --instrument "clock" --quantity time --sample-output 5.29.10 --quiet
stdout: 6.31.15
